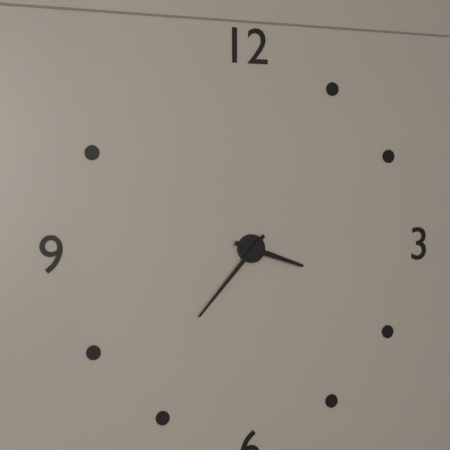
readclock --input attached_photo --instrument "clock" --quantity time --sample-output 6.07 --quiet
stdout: 3.37
